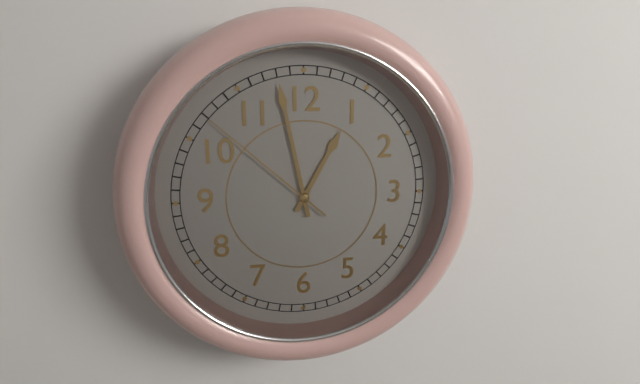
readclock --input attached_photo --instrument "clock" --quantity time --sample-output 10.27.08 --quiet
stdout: 12.58.52
